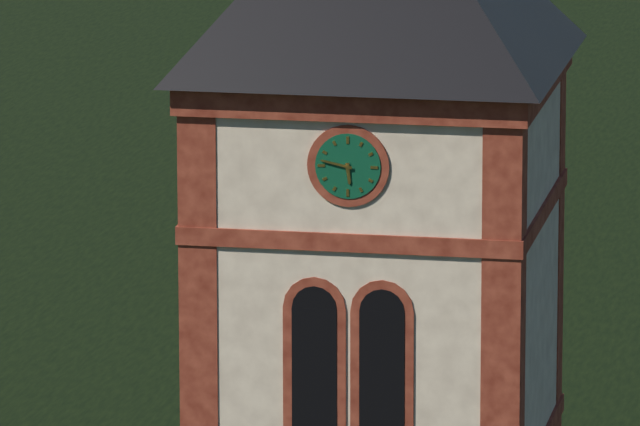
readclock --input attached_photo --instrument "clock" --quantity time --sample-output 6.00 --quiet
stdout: 5.47
